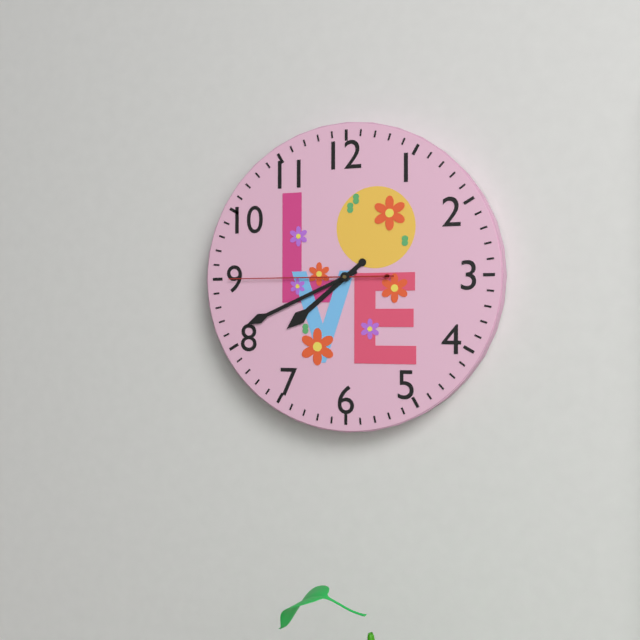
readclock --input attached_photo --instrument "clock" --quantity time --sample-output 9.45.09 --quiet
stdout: 7.41.45
